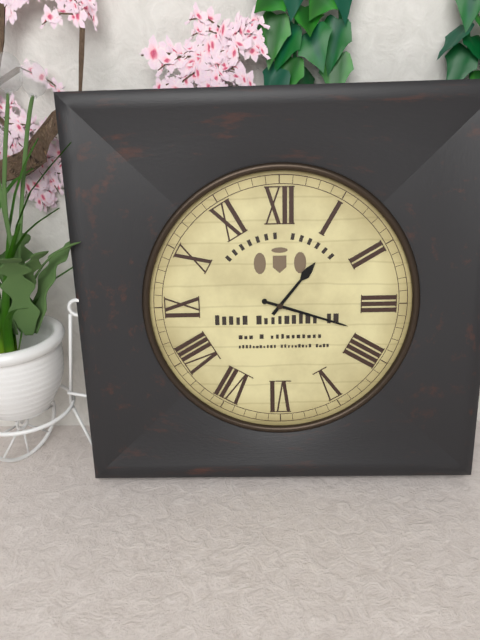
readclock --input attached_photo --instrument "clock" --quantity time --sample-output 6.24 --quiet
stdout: 1.18
